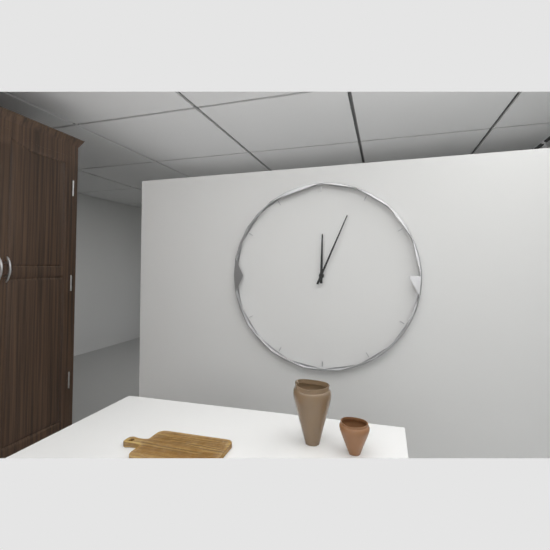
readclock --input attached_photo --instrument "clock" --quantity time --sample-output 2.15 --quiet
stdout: 12.04
